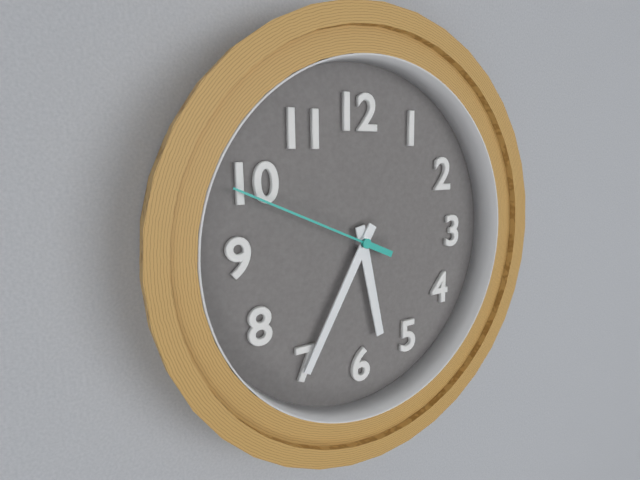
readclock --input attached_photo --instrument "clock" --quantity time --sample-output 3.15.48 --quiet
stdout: 5.35.49
